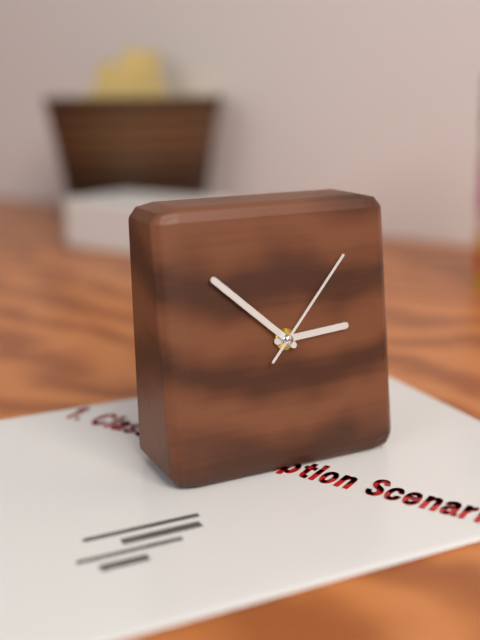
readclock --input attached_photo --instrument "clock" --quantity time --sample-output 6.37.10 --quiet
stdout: 2.52.07
